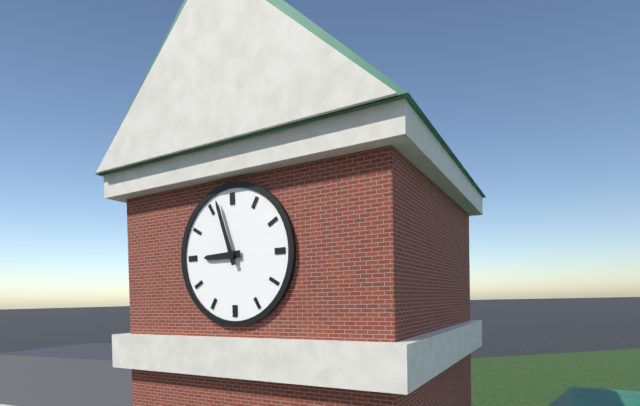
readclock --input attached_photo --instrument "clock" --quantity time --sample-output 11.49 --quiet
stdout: 8.57
